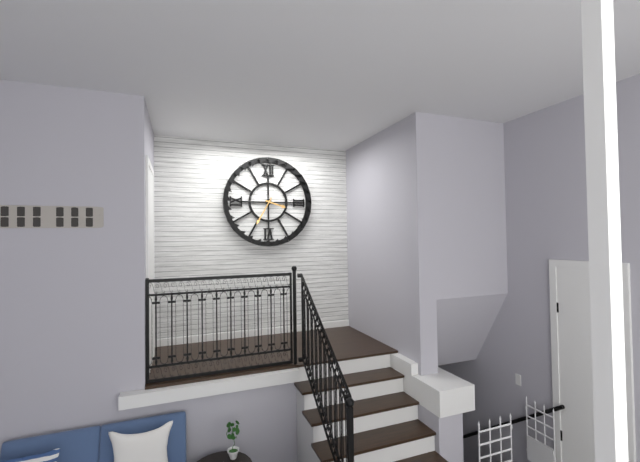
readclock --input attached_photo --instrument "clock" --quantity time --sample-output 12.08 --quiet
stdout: 3.35
